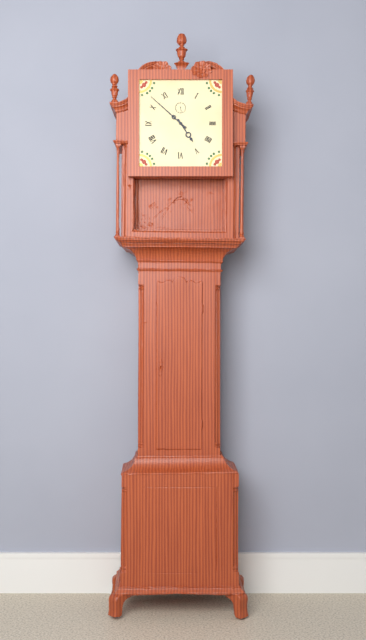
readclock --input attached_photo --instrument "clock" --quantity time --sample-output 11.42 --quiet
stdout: 4.52
